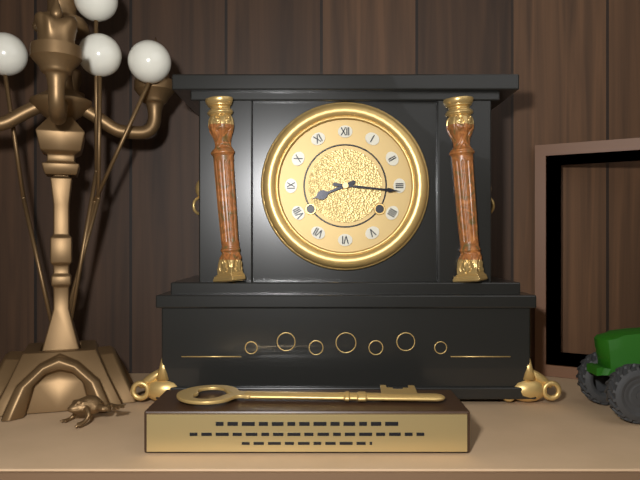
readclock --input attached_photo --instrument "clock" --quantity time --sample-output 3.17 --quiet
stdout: 8.16
